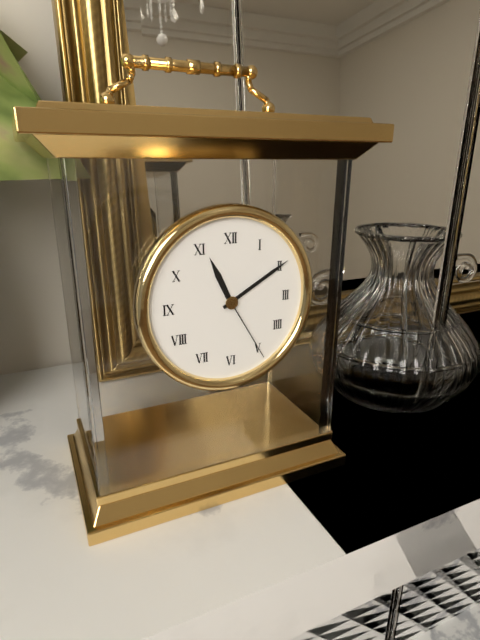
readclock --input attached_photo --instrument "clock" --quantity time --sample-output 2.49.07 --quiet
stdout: 11.10.25
